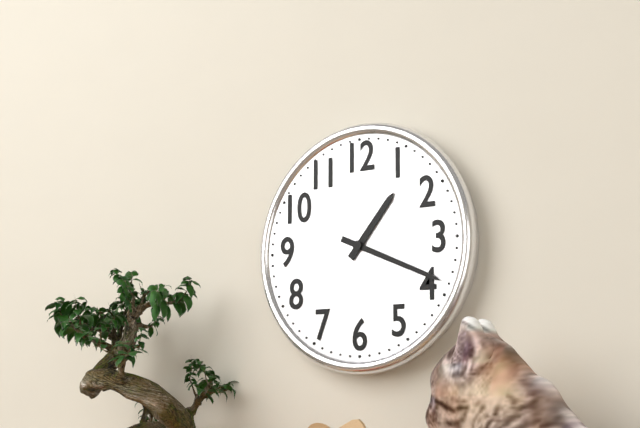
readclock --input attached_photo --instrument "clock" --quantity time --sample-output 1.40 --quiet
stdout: 1.19
